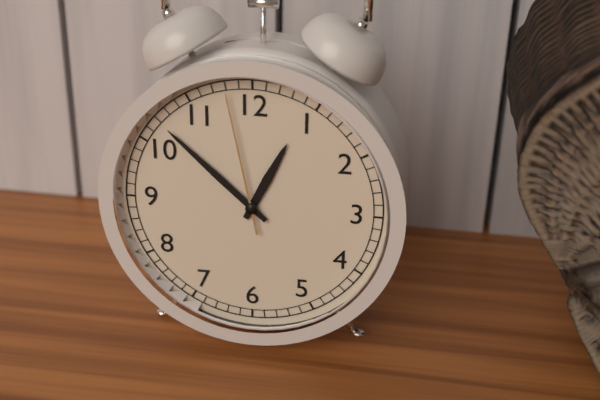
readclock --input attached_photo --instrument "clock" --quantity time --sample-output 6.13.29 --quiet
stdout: 12.52.58
